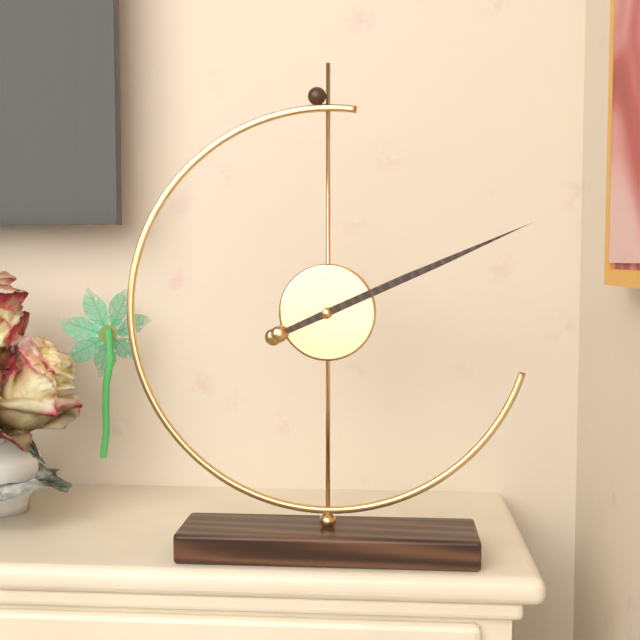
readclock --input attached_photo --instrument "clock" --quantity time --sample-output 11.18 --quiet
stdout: 2.11
